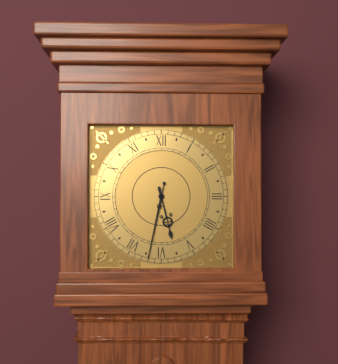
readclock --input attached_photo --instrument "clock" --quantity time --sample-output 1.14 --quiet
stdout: 5.32
